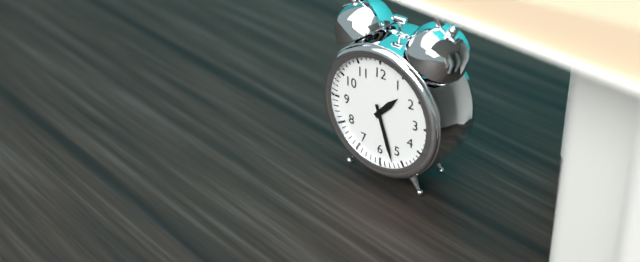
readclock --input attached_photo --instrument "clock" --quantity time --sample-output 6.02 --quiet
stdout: 1.27
